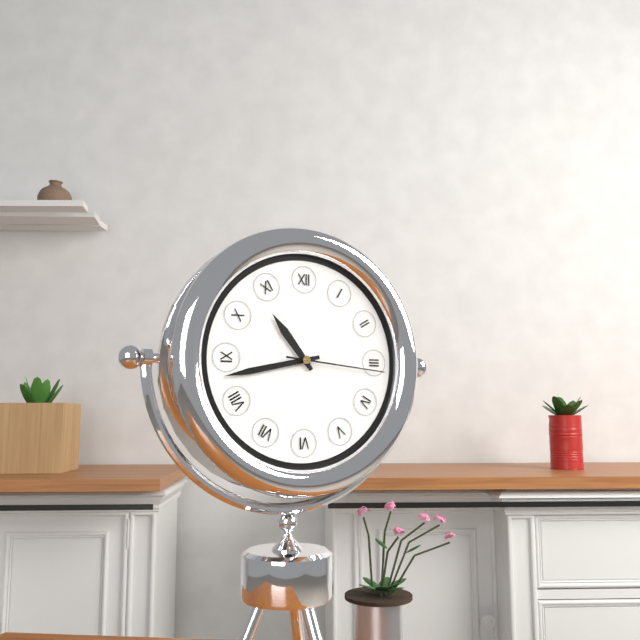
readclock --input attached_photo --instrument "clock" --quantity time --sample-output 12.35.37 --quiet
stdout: 10.43.16
